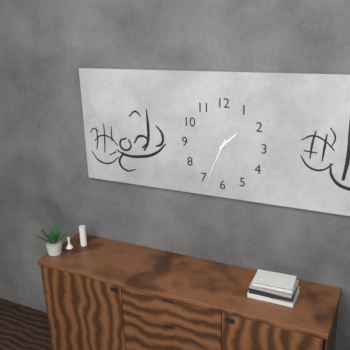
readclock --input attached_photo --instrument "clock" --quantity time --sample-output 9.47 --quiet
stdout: 1.34
